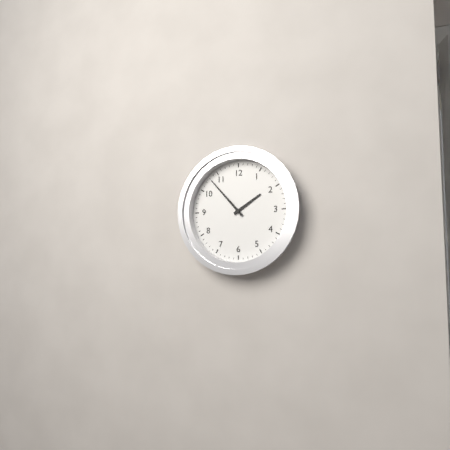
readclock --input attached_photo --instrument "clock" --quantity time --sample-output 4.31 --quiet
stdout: 1.53
